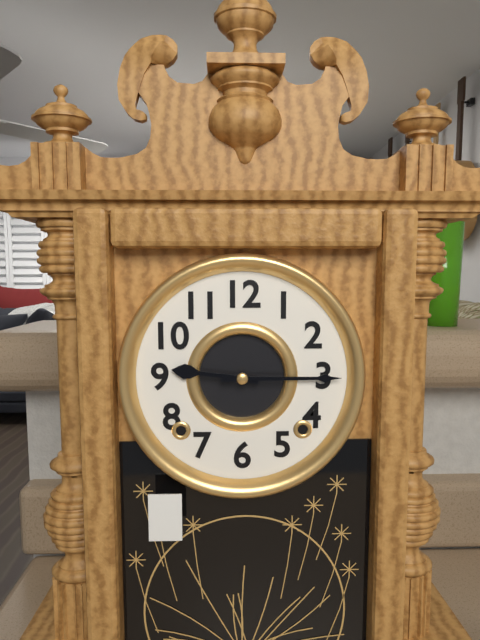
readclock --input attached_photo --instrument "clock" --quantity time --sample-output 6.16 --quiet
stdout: 9.15
